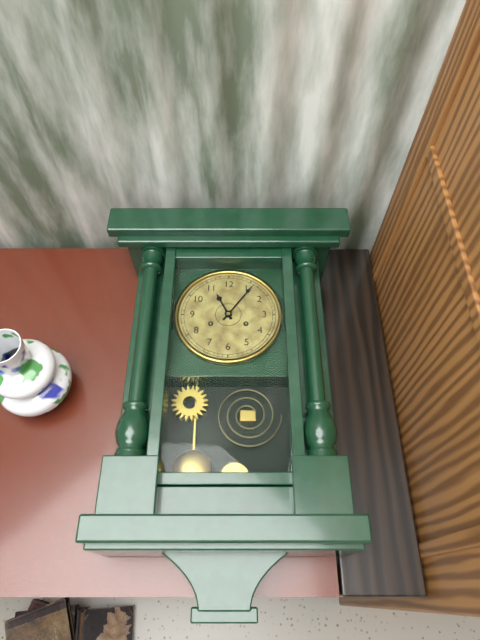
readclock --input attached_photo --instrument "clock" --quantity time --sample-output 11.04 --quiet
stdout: 11.06
